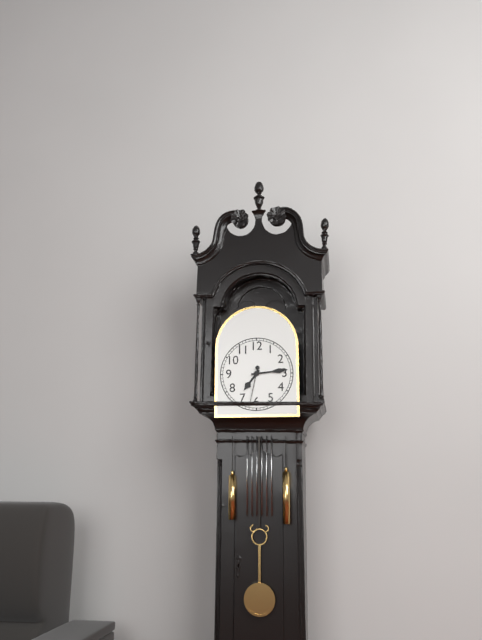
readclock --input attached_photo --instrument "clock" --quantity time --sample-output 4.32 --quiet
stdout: 7.14
